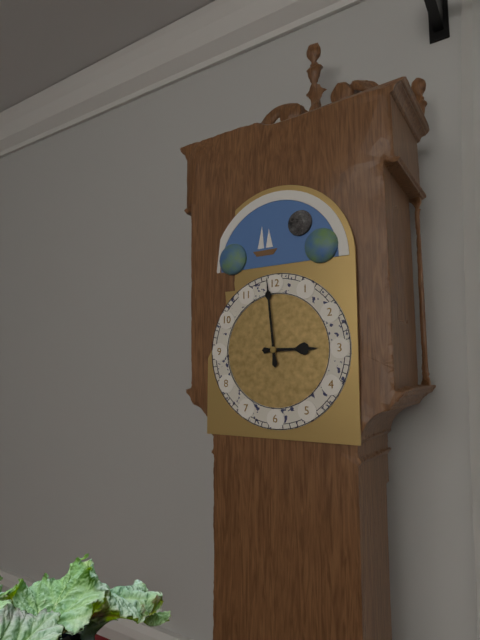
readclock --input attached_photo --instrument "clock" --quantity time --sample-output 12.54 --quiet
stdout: 2.59
